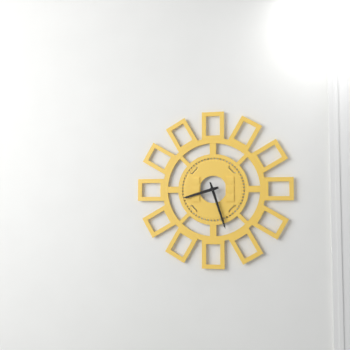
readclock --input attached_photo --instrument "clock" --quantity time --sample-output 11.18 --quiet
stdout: 8.27
